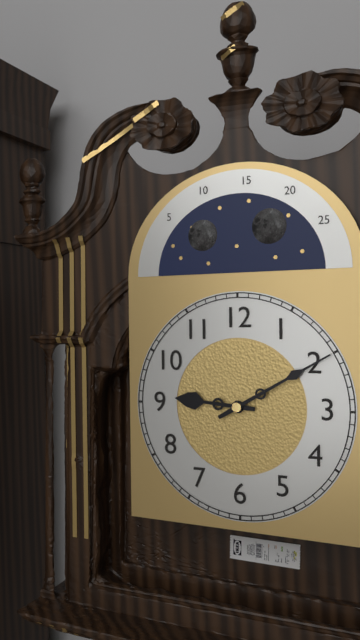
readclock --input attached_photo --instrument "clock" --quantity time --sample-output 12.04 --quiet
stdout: 9.10
